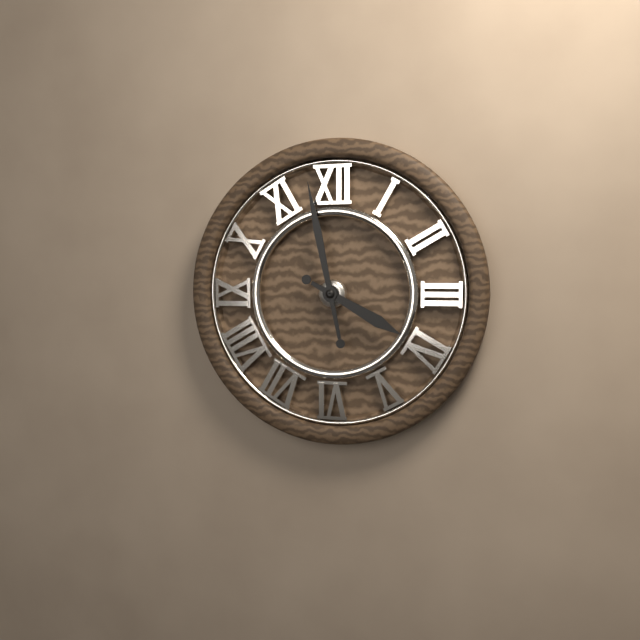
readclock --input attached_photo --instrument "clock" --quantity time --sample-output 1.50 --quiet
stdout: 3.58
